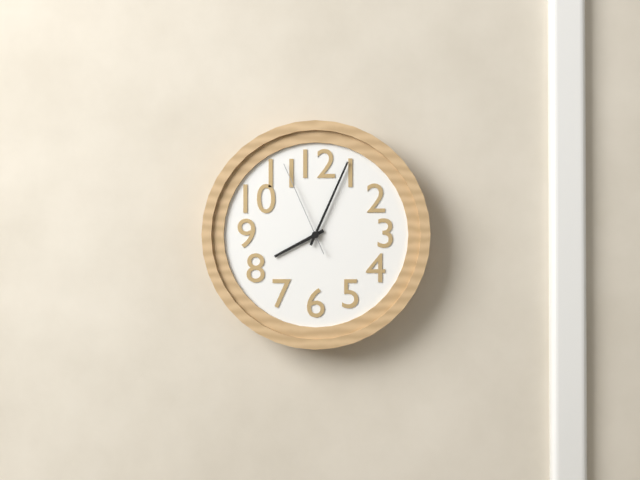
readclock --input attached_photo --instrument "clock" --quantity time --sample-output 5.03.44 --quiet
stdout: 8.04.56
